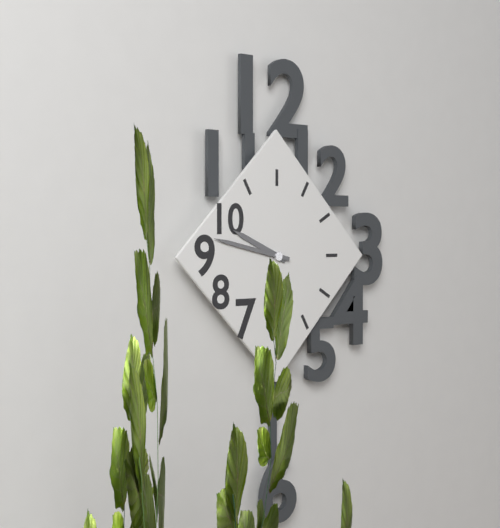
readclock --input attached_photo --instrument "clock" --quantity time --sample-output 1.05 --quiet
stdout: 9.47
